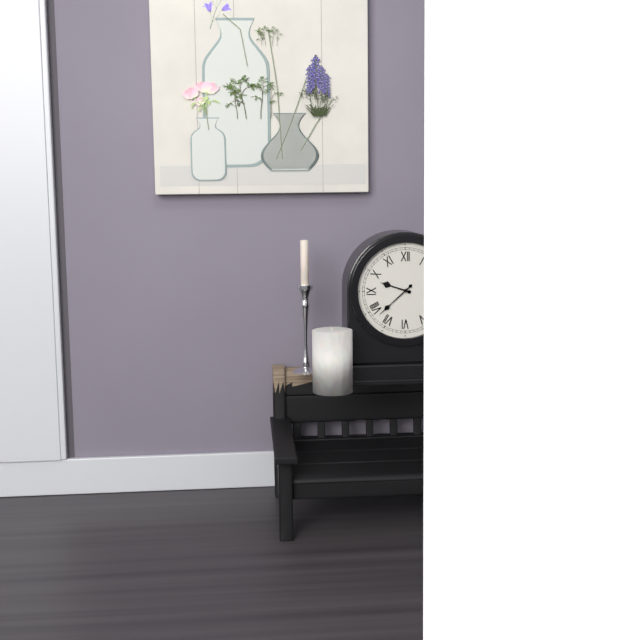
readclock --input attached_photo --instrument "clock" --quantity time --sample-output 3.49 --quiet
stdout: 9.38
